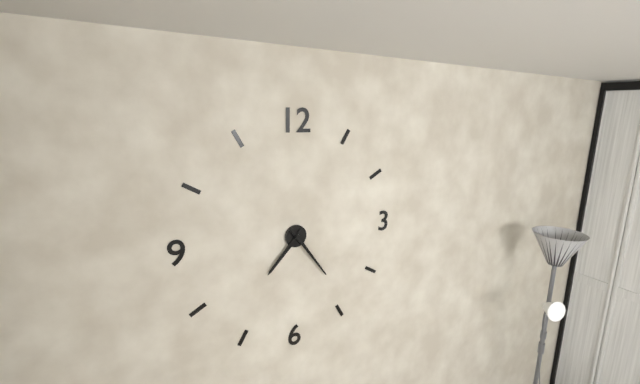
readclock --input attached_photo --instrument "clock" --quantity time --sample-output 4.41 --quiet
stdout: 7.24
